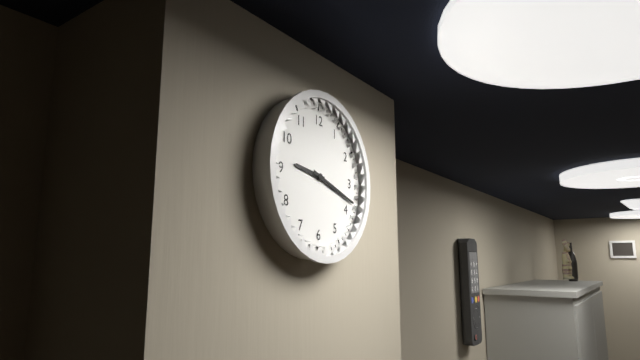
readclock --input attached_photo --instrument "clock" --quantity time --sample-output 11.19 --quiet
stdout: 9.18
